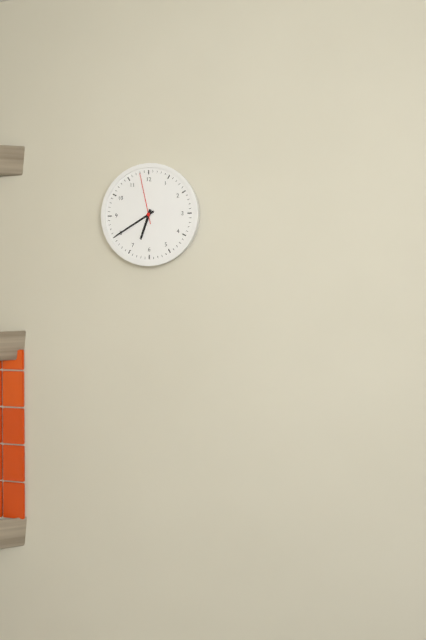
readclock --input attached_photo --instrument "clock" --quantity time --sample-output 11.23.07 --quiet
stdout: 6.40.58
